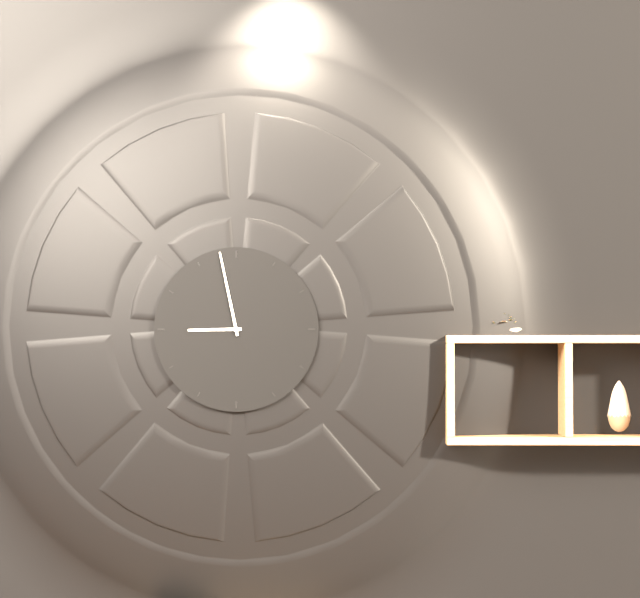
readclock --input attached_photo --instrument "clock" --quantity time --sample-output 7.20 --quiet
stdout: 8.58
